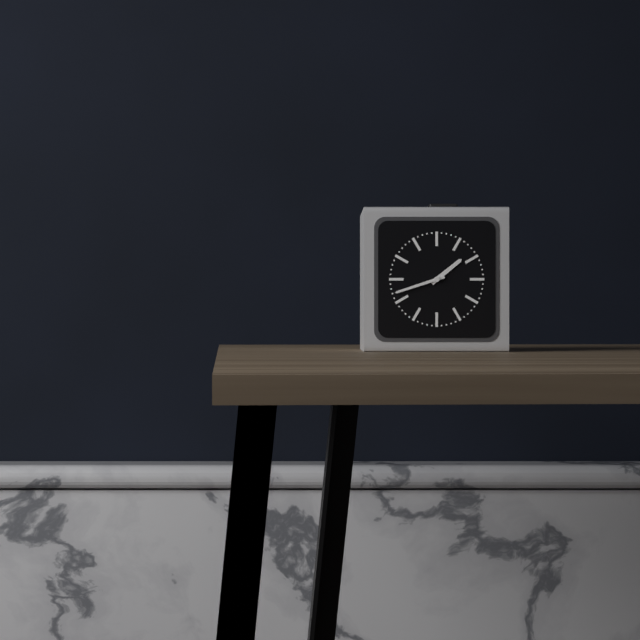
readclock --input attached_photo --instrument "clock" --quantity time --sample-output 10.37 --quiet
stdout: 1.42
